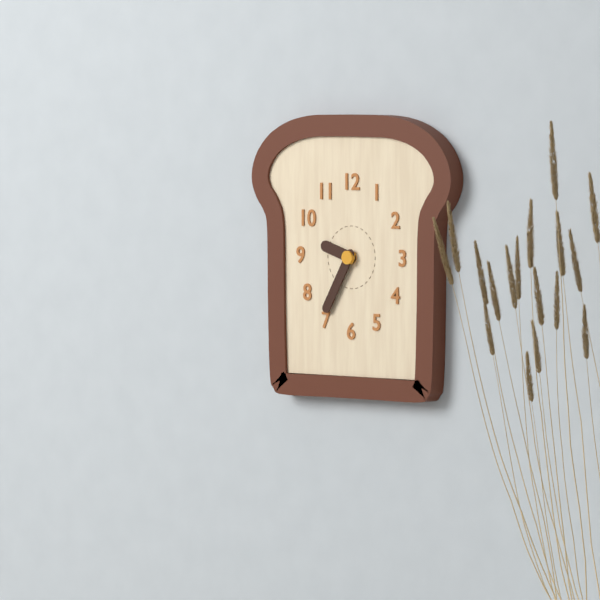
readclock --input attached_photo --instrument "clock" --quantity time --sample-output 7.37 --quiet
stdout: 9.35
